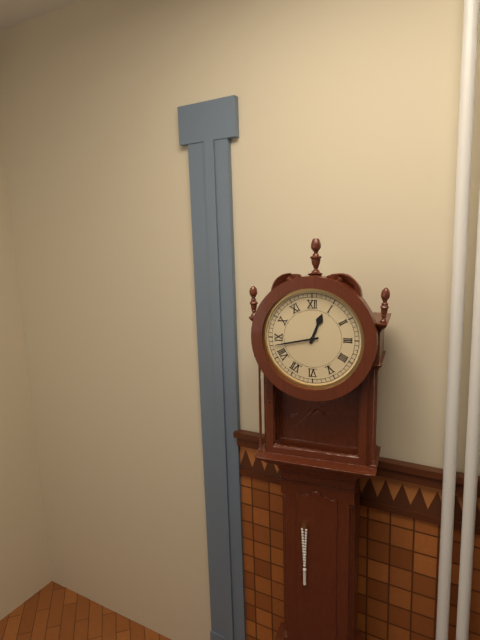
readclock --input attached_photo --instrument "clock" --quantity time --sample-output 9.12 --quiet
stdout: 12.43
